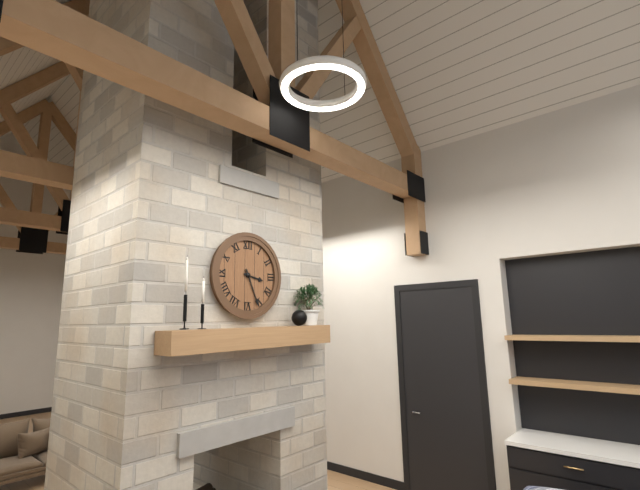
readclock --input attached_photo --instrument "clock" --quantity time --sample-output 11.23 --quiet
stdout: 3.26
